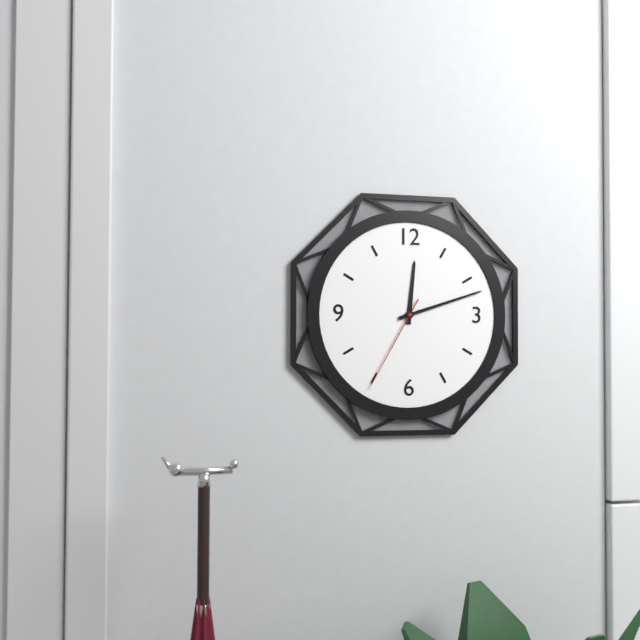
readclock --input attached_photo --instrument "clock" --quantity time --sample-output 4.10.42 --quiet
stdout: 12.12.35
